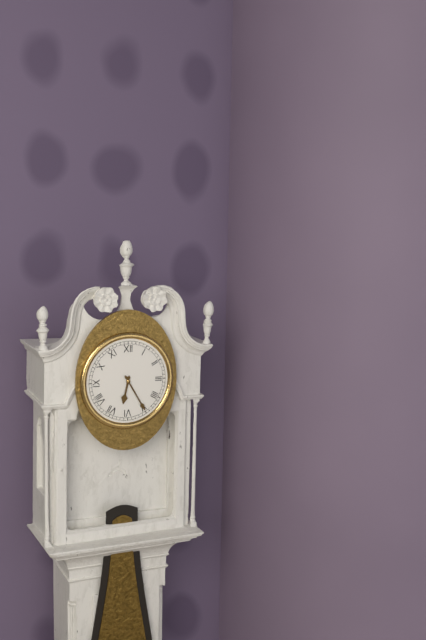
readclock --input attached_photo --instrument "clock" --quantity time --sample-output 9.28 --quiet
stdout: 6.25
